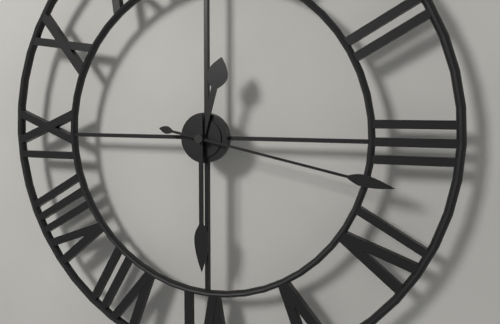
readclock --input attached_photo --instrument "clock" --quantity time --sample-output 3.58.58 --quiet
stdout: 12.30.17
